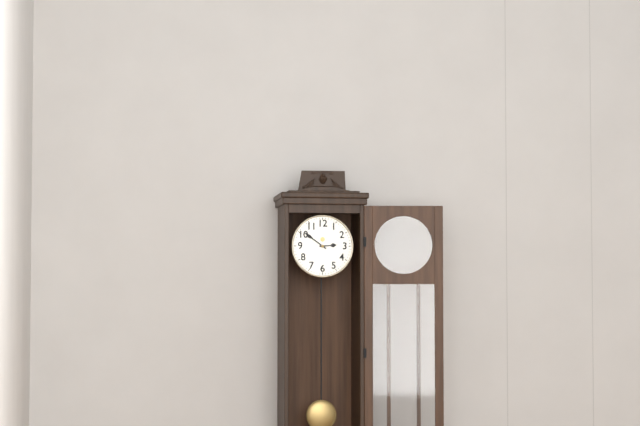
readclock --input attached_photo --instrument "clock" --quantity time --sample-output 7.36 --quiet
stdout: 2.51
